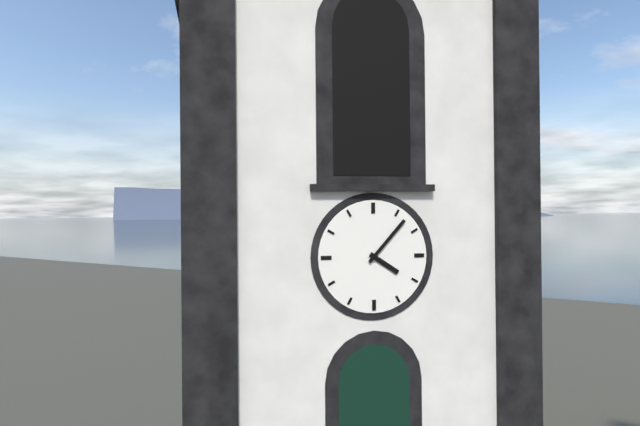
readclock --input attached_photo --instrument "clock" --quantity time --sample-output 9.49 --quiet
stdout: 4.07
